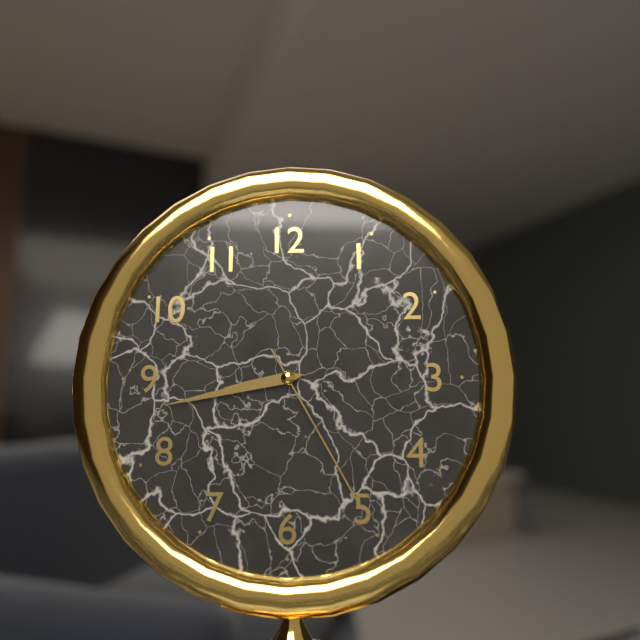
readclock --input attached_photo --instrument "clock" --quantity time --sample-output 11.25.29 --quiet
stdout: 8.43.25
